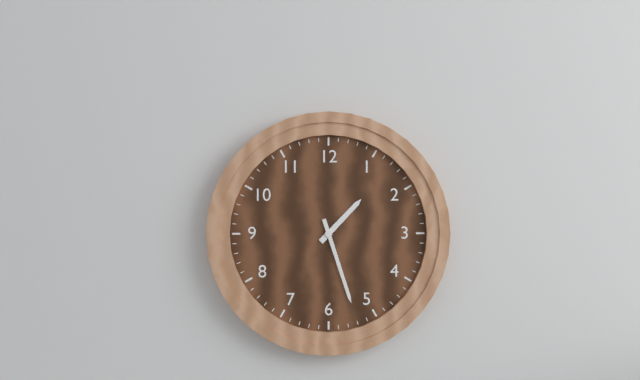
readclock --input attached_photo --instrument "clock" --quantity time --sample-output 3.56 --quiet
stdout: 1.27
